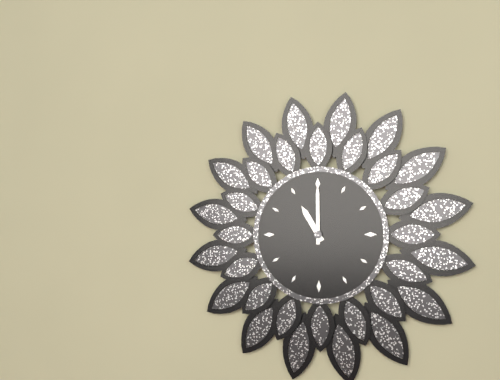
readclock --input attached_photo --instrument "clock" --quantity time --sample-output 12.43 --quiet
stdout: 11.00
